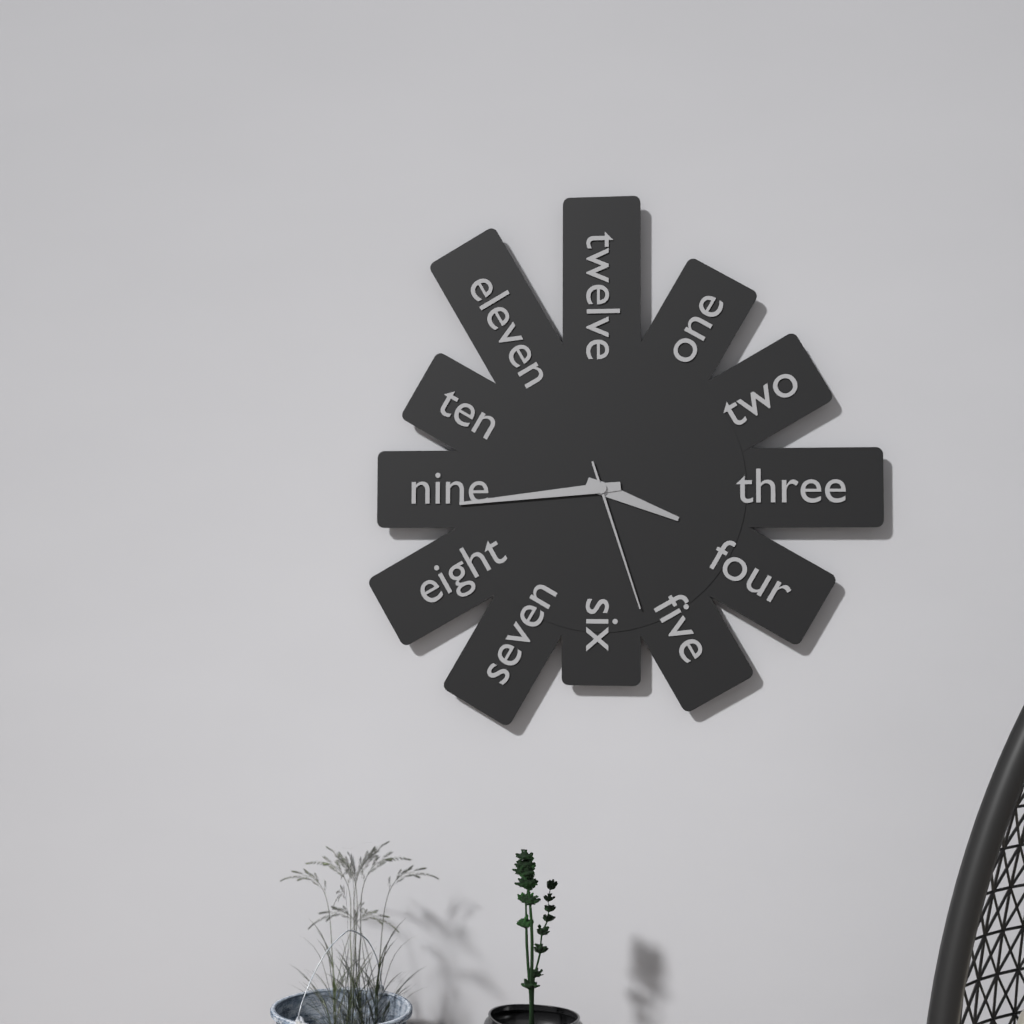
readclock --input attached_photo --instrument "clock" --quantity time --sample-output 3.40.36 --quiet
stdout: 3.44.27
